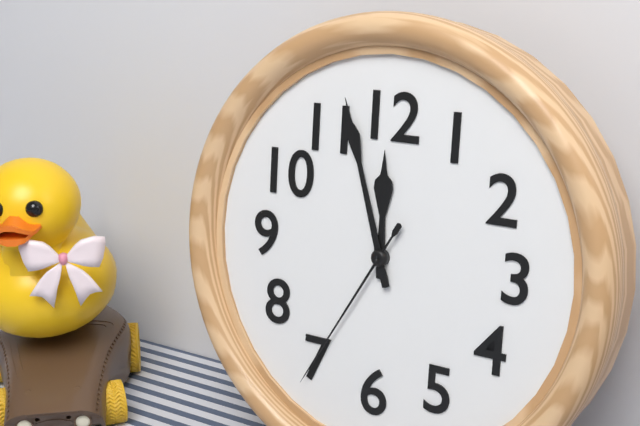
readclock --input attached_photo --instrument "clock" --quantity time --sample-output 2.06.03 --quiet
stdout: 11.57.35
